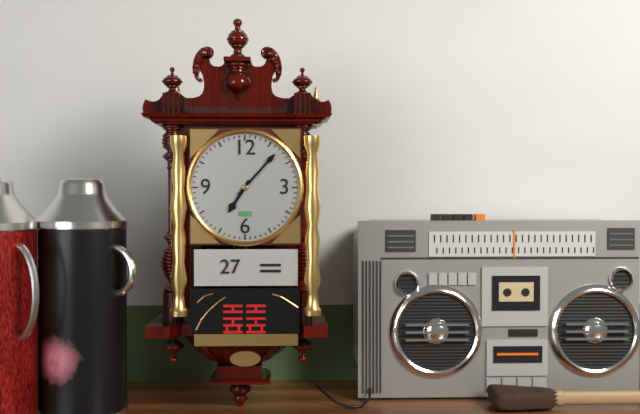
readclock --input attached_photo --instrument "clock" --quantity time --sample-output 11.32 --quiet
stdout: 7.07
